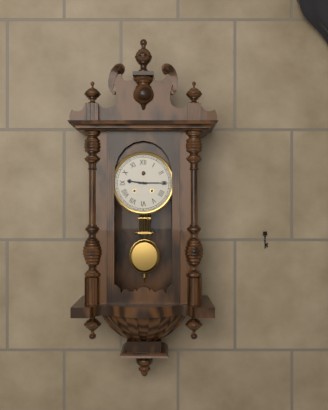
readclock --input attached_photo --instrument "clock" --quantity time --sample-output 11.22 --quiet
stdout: 9.15
